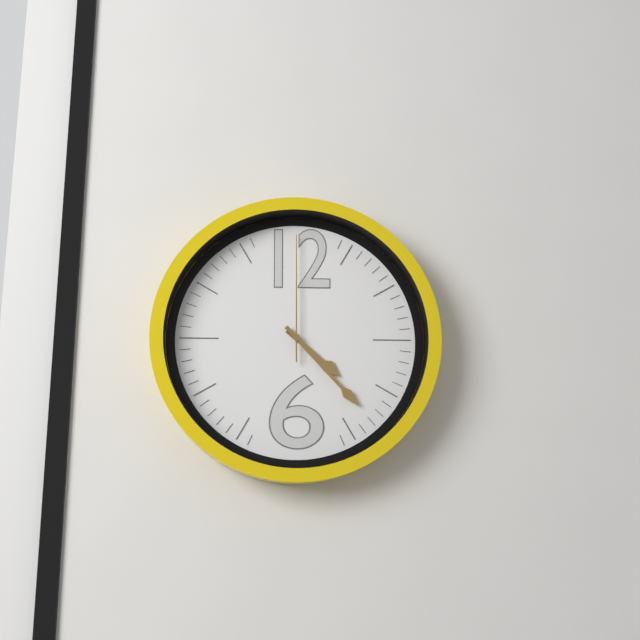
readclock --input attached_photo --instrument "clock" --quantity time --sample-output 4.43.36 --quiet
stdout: 4.23.00
